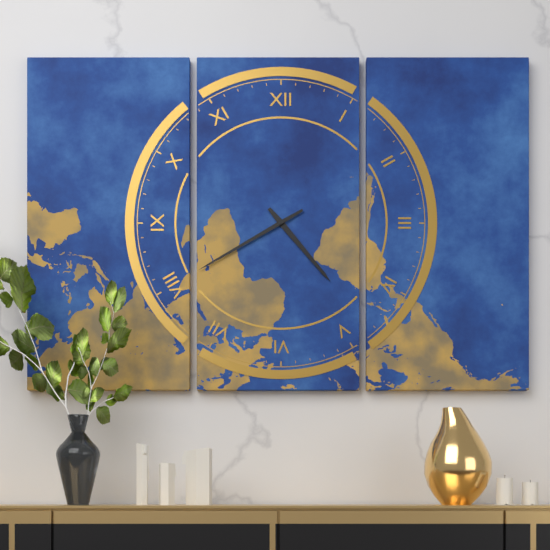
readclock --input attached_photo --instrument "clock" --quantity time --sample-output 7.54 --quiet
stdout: 4.40
